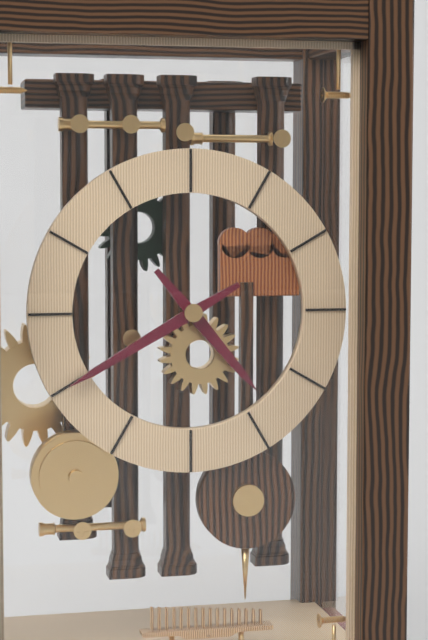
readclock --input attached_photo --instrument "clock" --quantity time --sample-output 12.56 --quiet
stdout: 4.40
